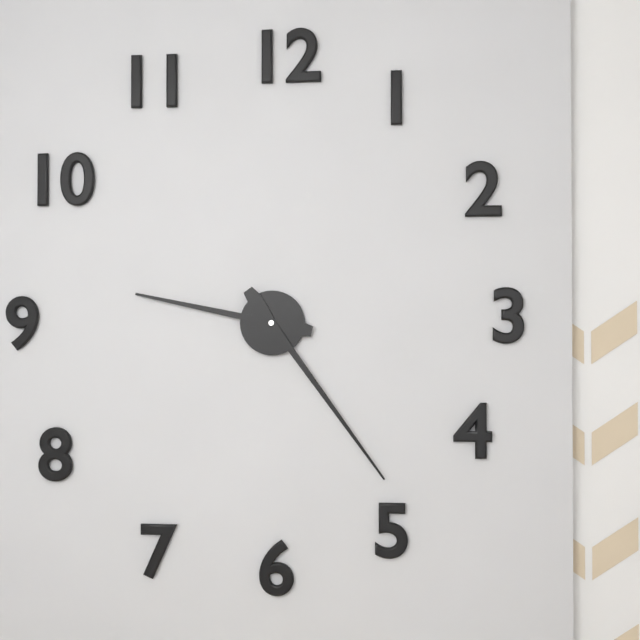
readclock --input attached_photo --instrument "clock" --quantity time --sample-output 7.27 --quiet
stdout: 9.24
